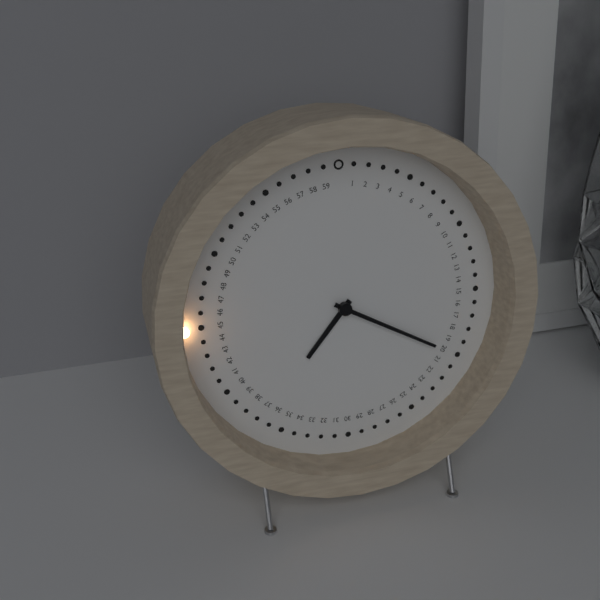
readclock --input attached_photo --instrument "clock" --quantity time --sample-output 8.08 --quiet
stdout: 7.20
